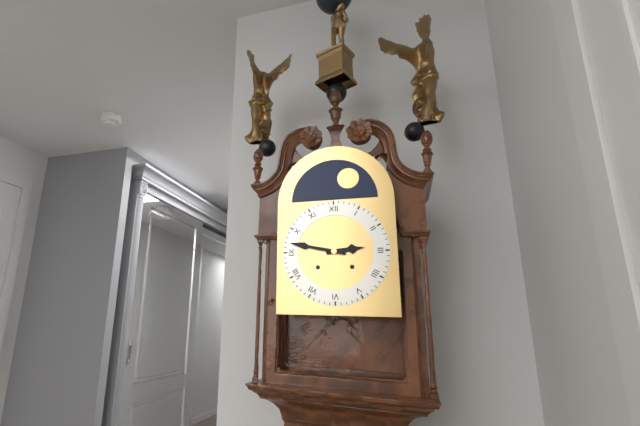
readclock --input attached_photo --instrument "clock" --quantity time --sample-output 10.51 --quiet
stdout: 2.47
